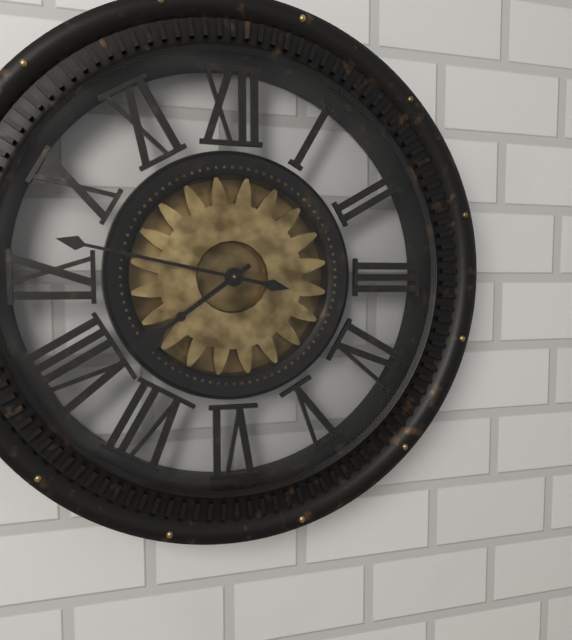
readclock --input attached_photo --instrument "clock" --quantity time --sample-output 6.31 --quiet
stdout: 7.47
